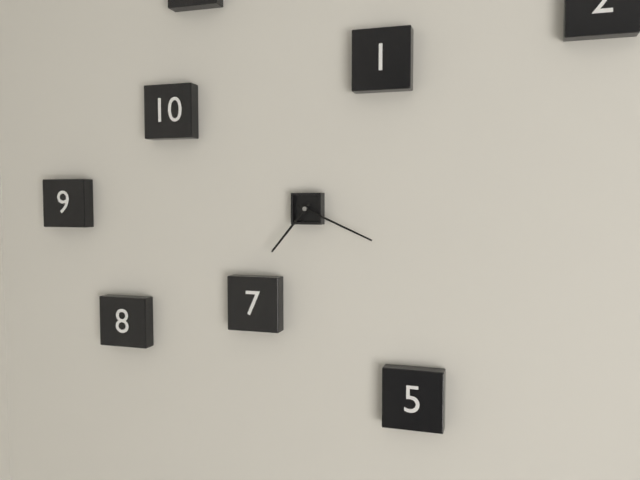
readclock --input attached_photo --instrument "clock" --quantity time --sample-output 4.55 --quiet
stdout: 7.19
